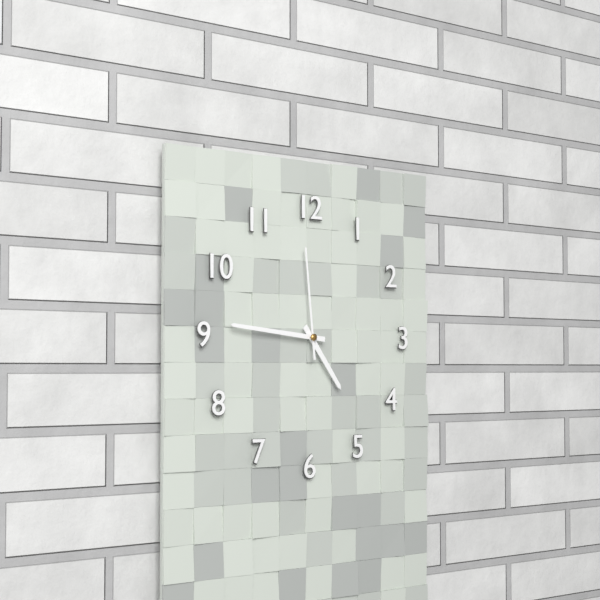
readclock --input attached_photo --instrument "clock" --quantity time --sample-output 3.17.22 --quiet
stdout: 4.46.59
